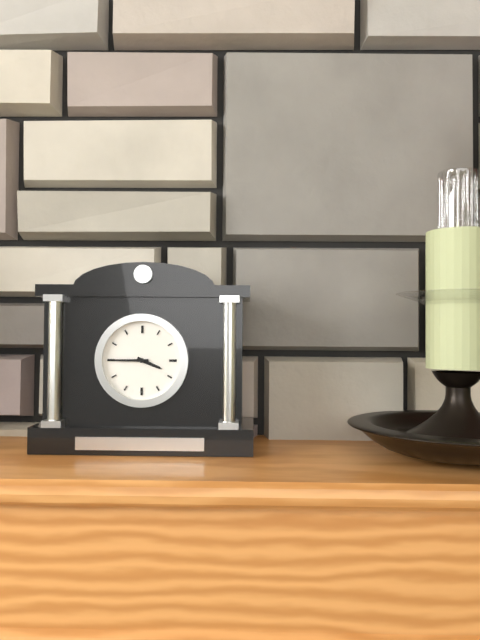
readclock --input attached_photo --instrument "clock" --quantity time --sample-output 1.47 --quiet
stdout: 3.45
